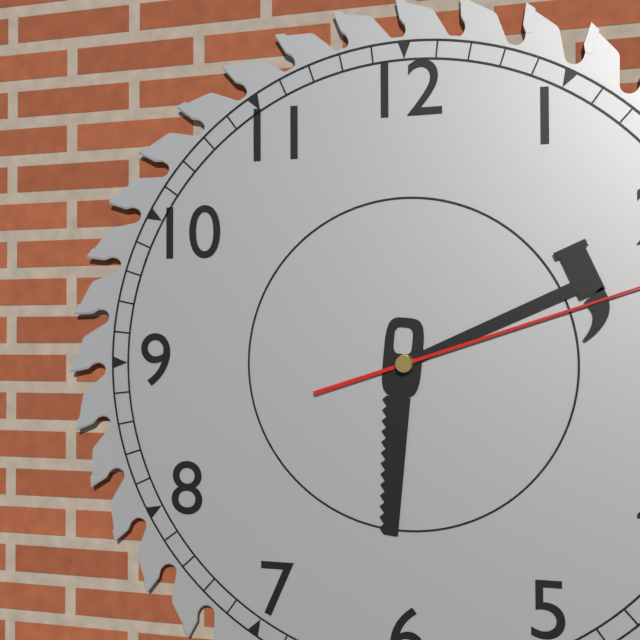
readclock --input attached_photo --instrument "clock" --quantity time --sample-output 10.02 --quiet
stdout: 6.11
